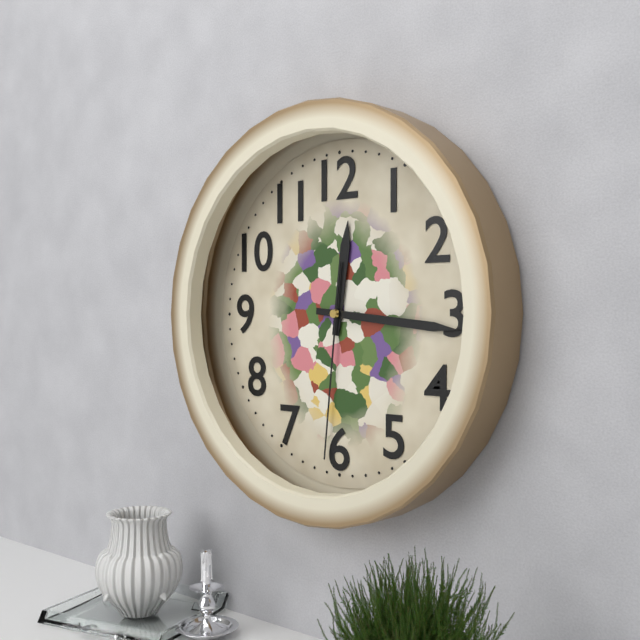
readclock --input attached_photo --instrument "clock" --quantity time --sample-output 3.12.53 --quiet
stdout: 12.16.31
